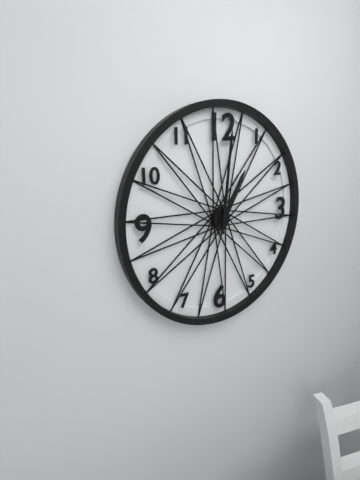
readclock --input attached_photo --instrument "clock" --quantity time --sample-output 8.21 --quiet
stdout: 1.01
